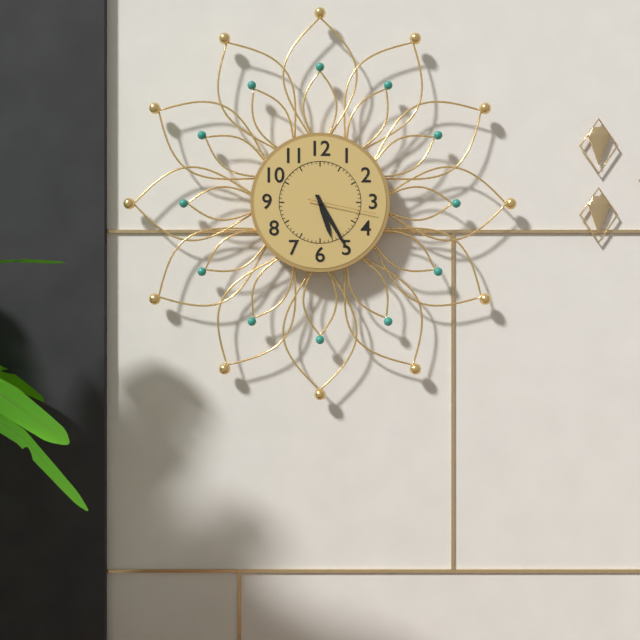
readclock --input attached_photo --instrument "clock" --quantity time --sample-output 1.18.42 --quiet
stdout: 5.25.17
